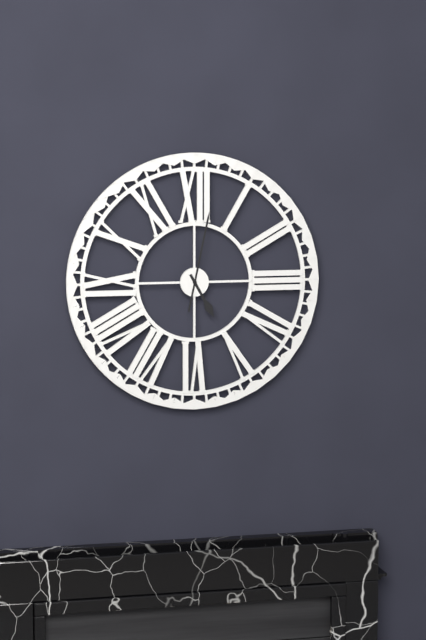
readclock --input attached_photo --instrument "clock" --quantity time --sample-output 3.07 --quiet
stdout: 5.02
